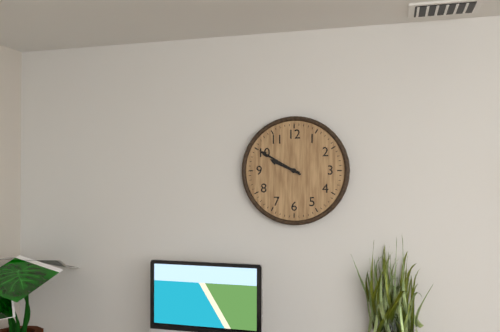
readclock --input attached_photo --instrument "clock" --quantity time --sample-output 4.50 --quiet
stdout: 9.50
